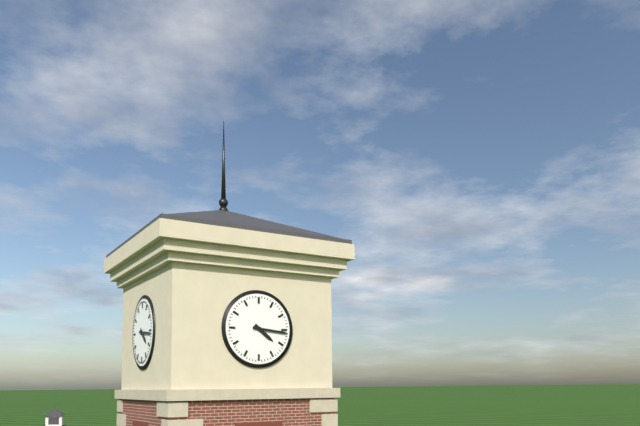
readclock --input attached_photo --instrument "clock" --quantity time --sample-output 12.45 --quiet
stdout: 4.16
